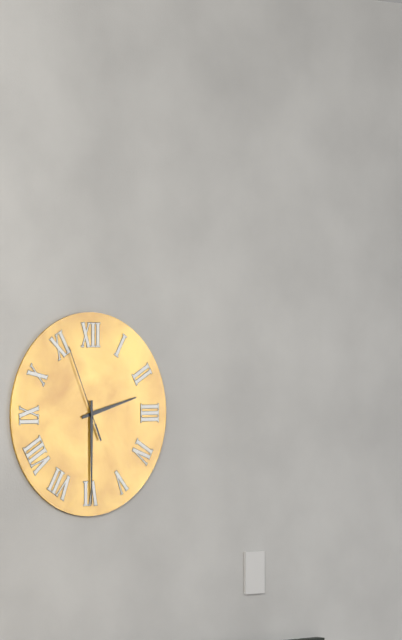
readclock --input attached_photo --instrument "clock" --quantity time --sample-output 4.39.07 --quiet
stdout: 2.30.56
